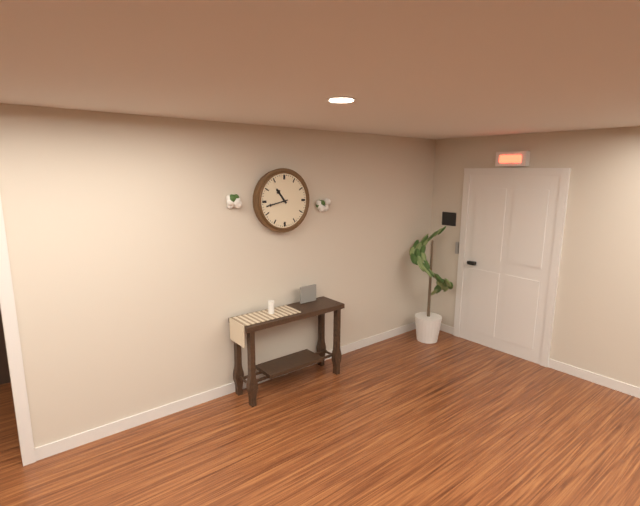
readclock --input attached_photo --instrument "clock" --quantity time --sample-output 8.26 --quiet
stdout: 10.43
